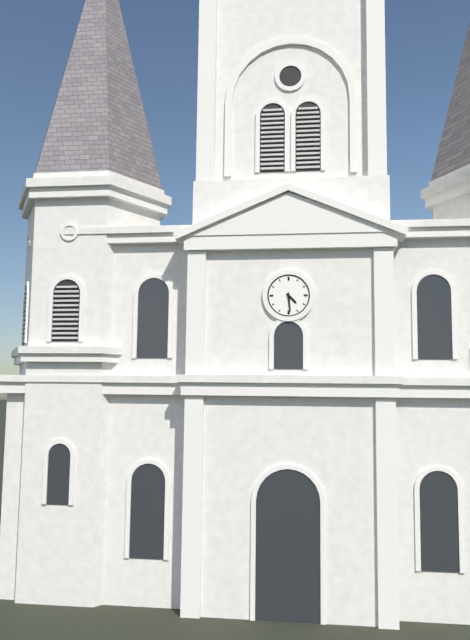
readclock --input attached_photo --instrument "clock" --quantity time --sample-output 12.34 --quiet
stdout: 4.29
